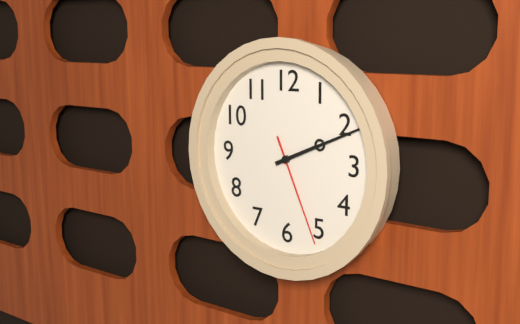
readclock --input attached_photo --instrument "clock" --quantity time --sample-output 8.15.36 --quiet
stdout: 2.11.26
